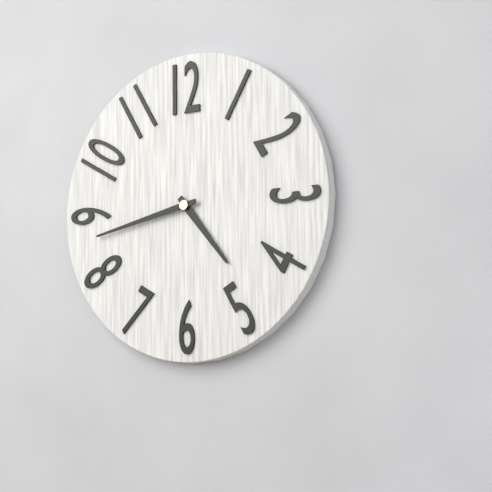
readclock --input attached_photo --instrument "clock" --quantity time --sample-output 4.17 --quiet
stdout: 4.43
